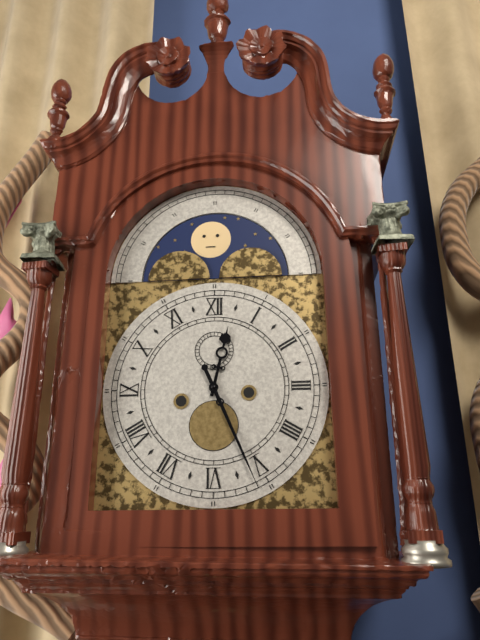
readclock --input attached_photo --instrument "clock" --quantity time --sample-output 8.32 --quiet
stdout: 12.26
